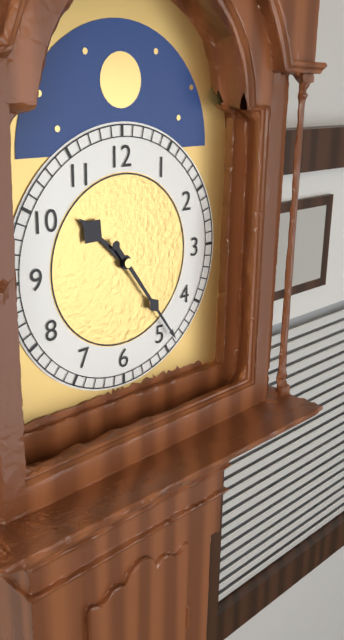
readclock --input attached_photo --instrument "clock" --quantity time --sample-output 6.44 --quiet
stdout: 10.24
